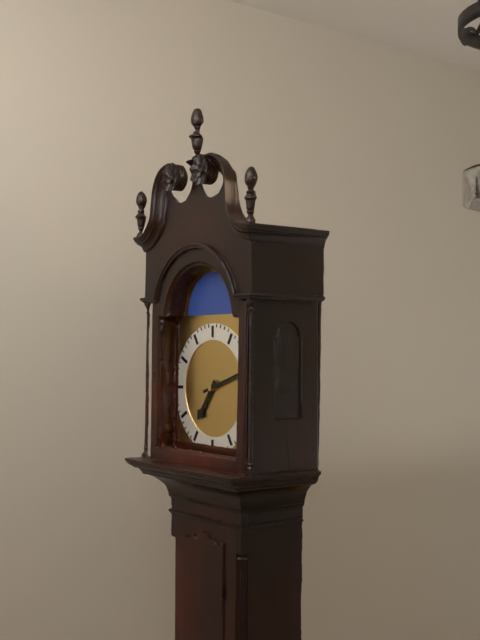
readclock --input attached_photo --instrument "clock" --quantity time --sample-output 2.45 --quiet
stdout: 7.12
